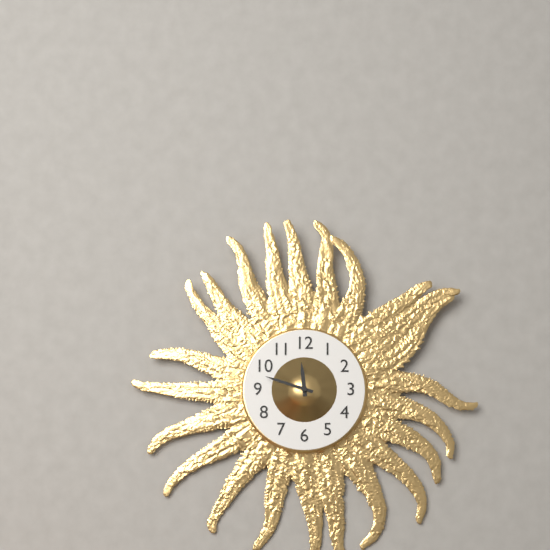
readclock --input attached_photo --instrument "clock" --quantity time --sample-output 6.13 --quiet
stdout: 11.48
